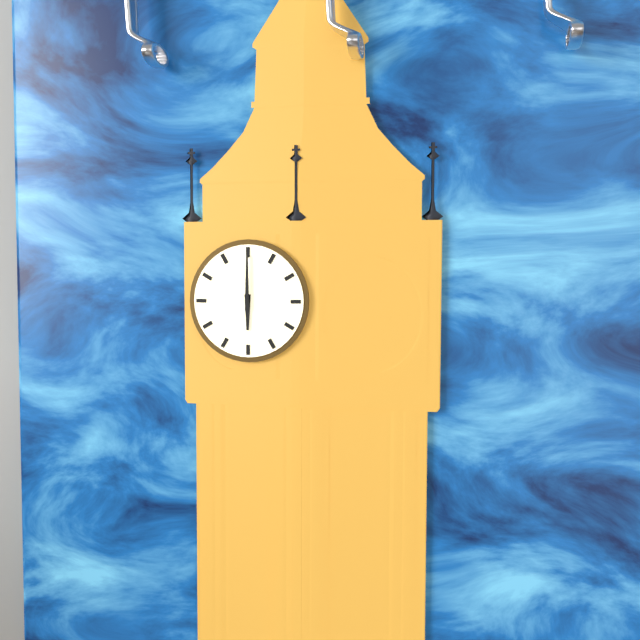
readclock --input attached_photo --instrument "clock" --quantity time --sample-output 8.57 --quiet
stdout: 6.00
